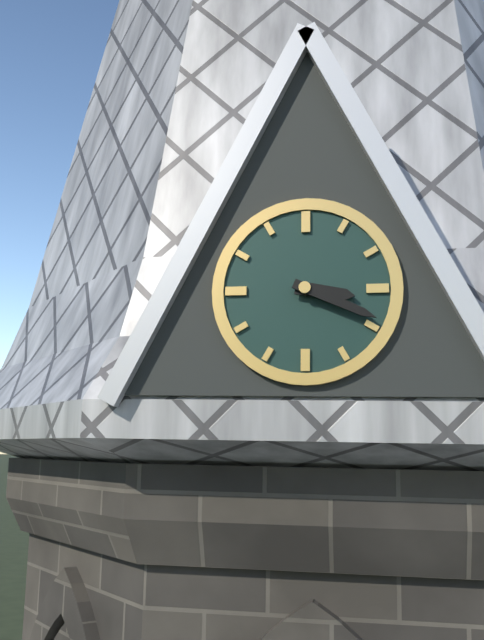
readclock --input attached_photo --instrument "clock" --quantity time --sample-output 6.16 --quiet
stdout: 3.19
